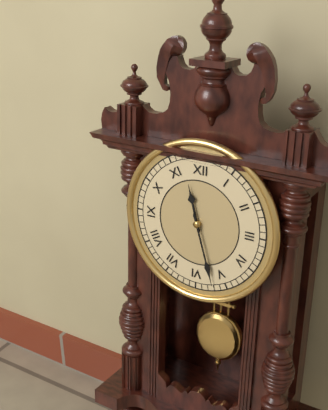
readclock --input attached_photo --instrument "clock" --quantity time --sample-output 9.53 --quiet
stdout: 11.27
